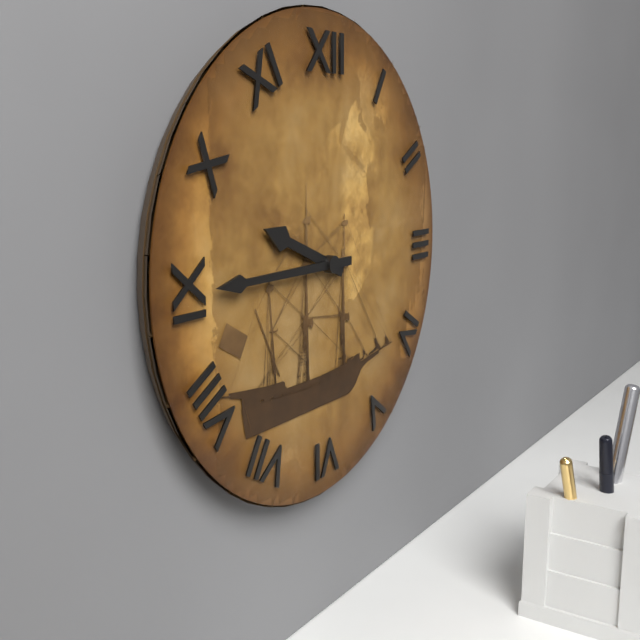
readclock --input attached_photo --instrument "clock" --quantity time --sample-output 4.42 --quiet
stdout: 9.45
